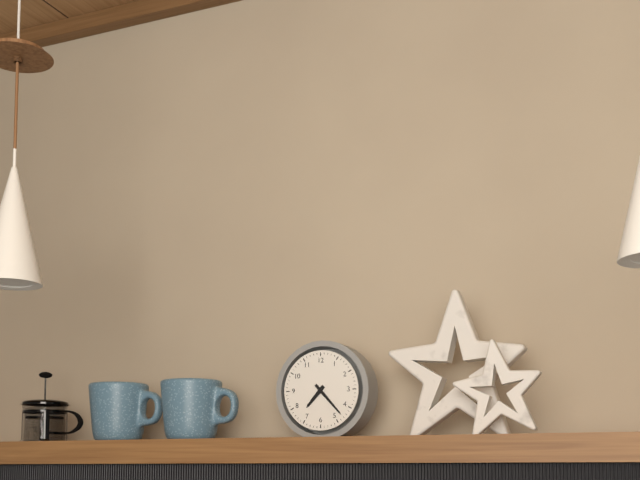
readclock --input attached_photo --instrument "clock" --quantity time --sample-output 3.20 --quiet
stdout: 7.23
